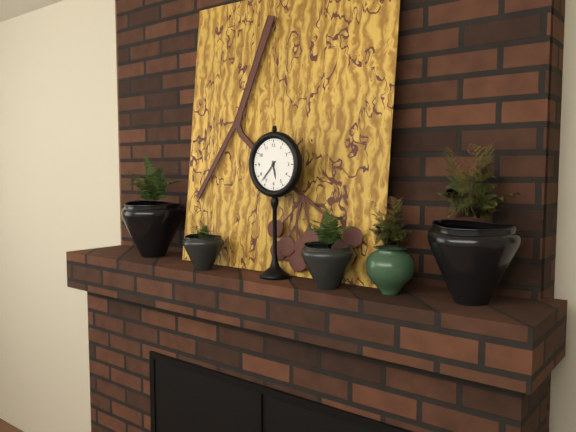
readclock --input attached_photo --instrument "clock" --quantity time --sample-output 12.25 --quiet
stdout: 5.37
